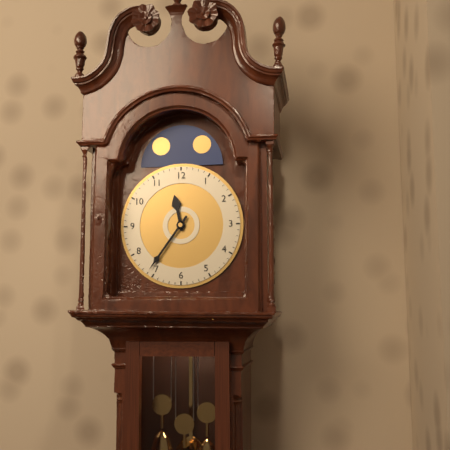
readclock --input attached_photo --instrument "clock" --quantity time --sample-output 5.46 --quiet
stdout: 11.36
